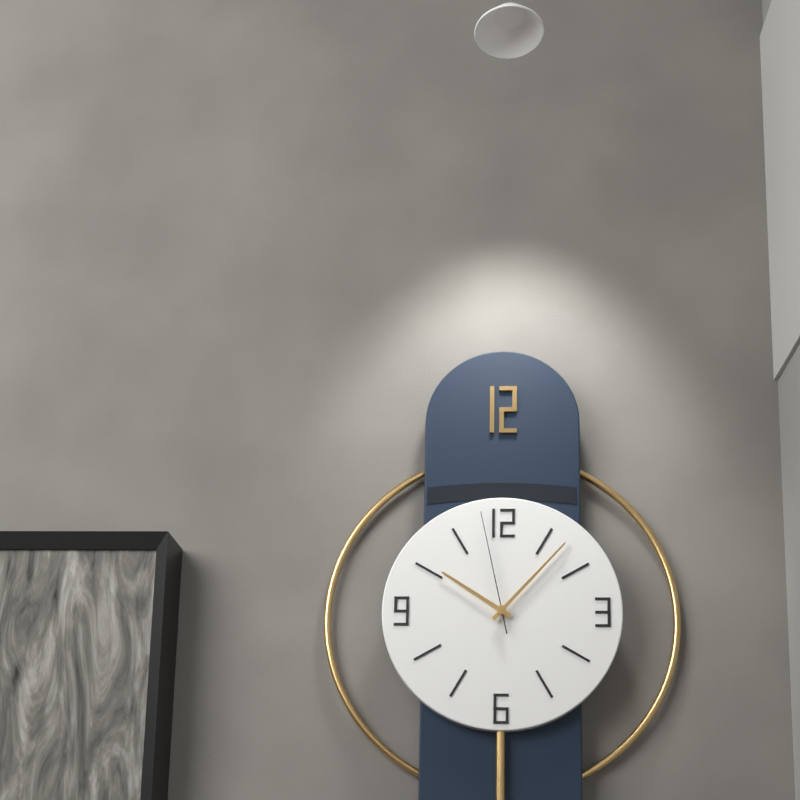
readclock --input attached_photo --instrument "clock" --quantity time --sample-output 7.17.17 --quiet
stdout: 10.07.58
